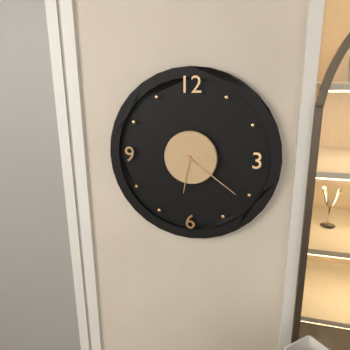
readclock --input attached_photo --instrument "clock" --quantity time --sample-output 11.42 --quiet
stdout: 6.21
